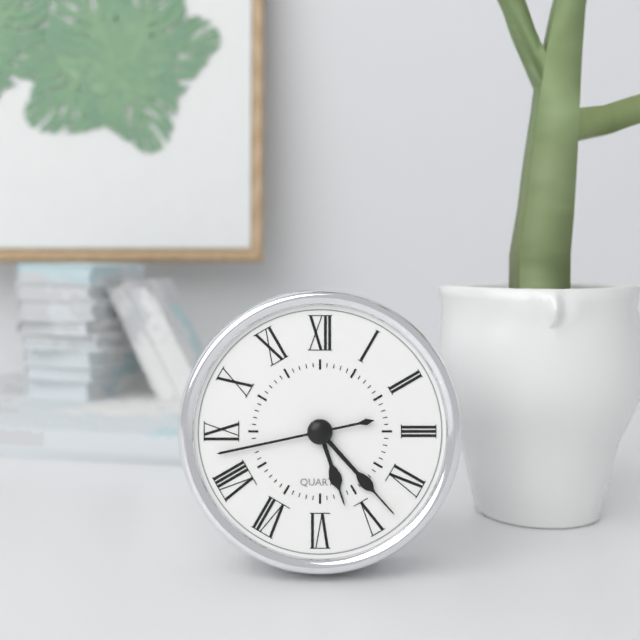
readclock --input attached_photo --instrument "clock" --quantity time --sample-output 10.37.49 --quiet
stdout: 5.23.43
